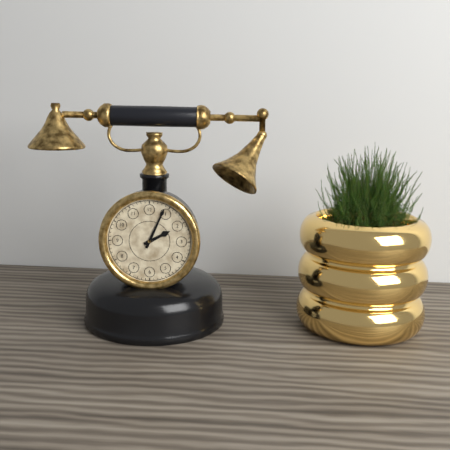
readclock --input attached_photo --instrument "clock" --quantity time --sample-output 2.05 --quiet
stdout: 2.04
